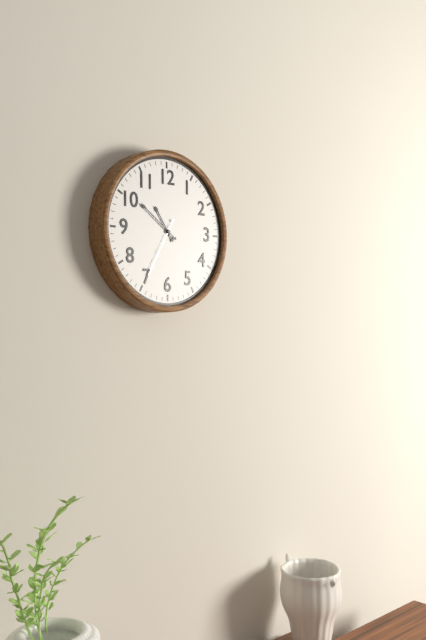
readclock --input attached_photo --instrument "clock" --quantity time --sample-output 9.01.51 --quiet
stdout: 10.51.35
